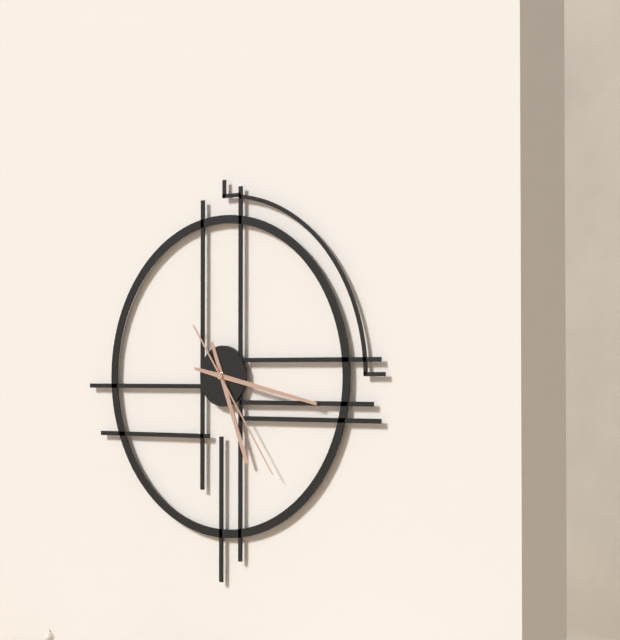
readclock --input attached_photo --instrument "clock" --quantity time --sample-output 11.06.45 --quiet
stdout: 5.17.24
